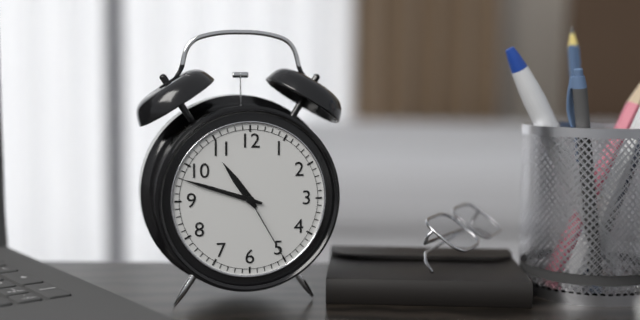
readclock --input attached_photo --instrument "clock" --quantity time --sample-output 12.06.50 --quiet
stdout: 10.48.25
